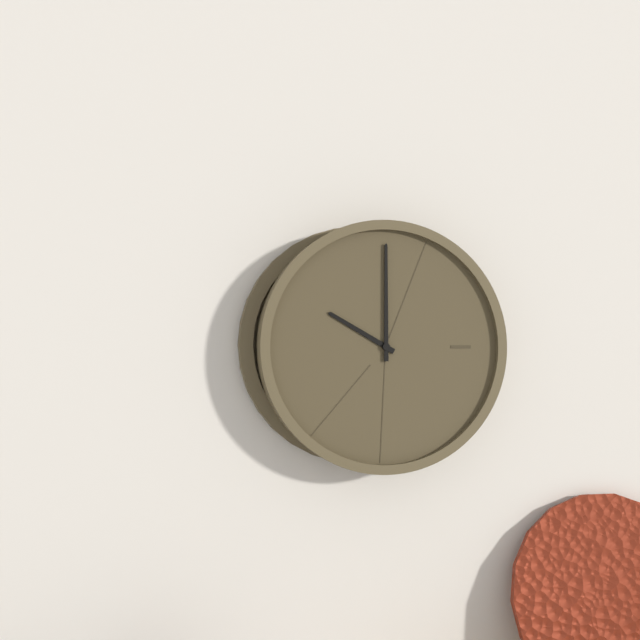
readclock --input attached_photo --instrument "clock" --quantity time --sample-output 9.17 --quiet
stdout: 10.00
